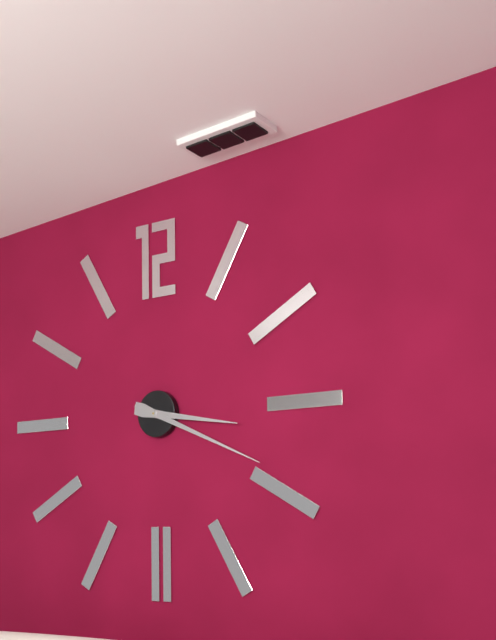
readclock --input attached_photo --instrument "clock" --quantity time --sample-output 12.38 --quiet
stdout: 3.19
